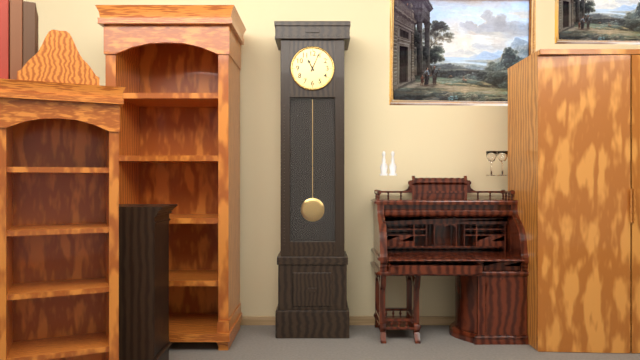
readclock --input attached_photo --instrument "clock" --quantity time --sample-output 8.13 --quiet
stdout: 11.04
